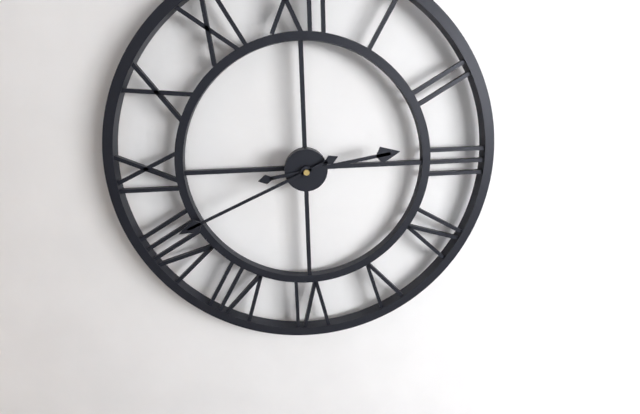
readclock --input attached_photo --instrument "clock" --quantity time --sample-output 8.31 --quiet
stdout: 2.41
